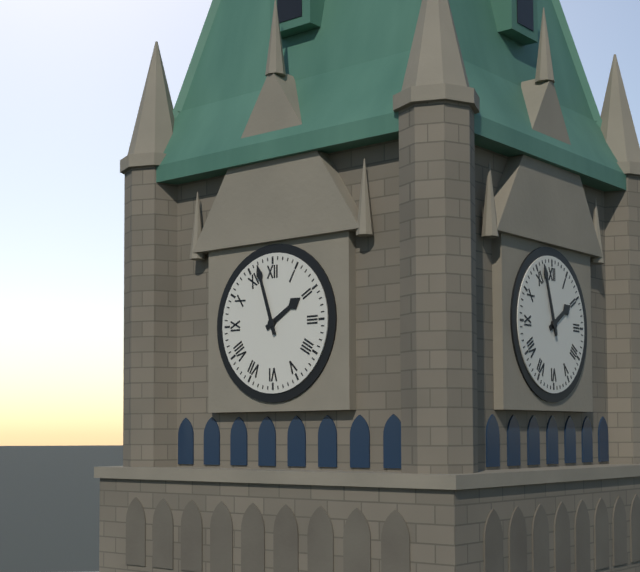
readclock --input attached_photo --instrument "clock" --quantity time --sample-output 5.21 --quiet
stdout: 1.57
